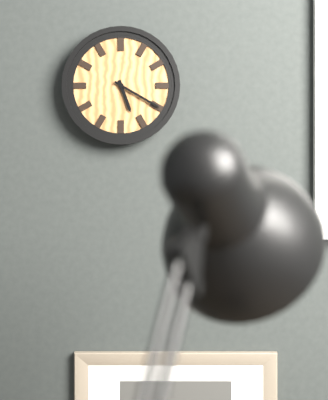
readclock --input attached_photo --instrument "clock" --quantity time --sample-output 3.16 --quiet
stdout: 5.20
